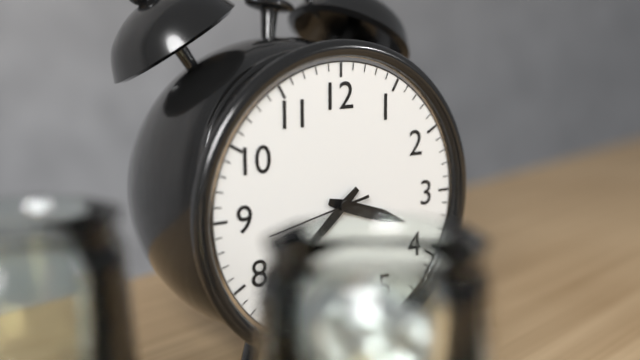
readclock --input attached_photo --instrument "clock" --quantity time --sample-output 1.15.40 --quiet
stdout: 3.38.43
